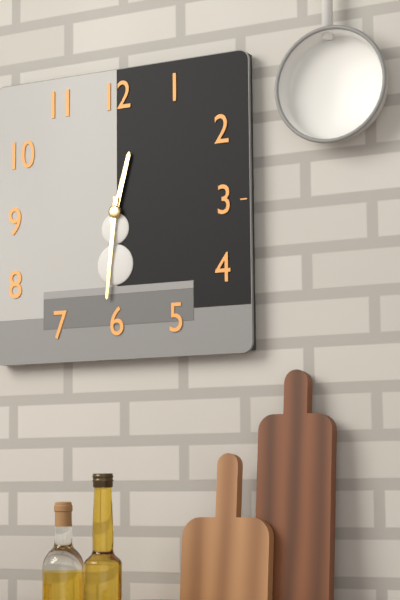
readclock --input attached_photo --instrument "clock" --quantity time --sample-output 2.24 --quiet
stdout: 12.31
